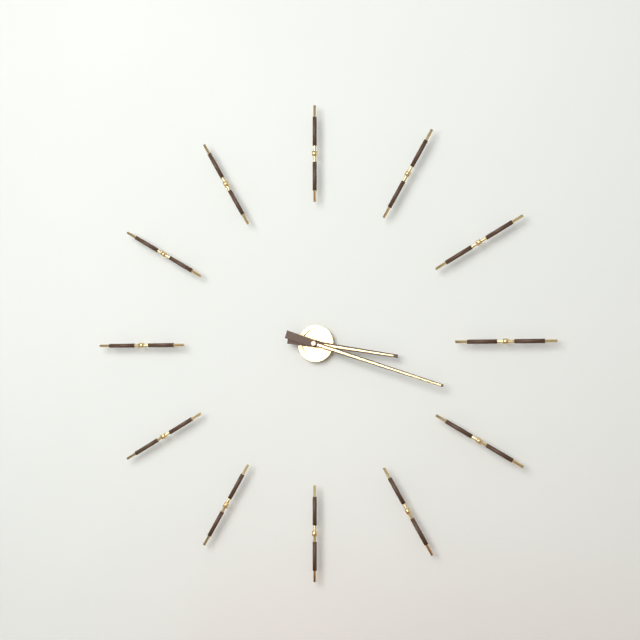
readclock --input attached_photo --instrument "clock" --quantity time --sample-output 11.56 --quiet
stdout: 3.18
